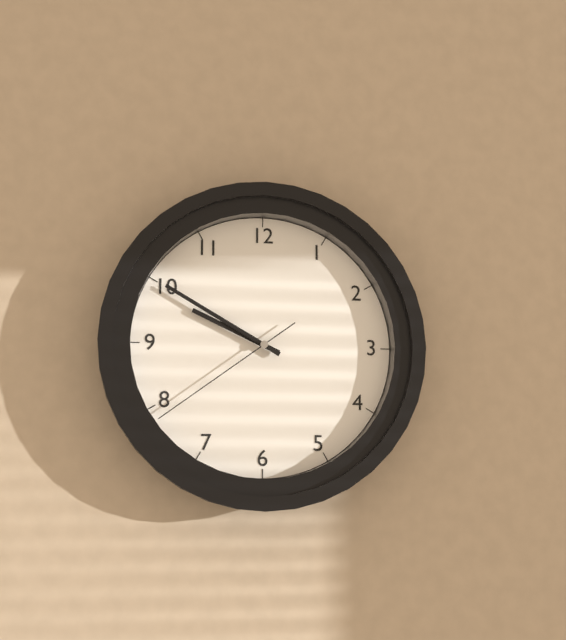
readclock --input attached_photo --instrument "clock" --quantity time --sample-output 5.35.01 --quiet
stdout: 9.50.39
